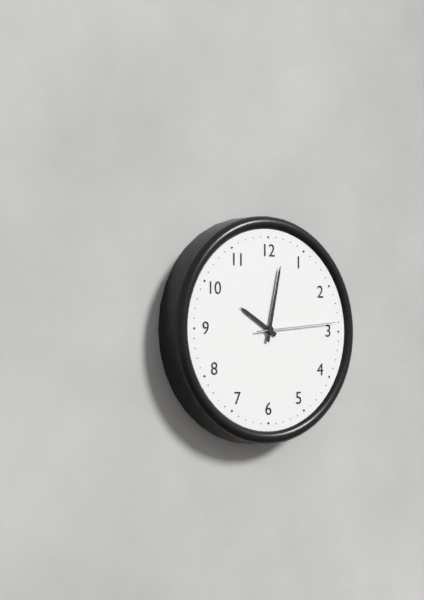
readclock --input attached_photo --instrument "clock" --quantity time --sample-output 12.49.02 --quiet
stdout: 10.02.14
